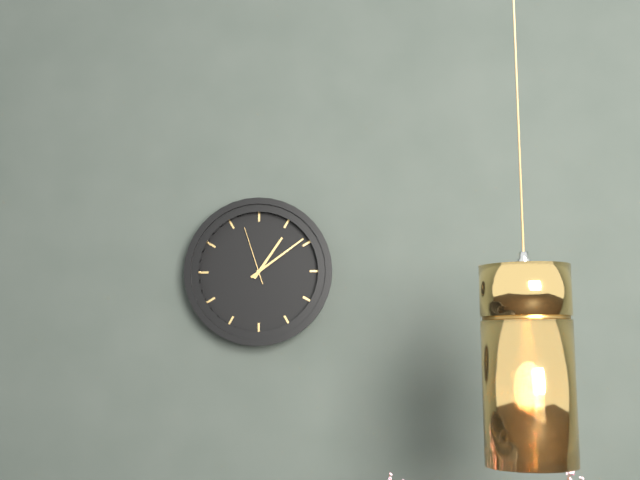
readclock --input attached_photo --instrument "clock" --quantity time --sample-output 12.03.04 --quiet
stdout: 1.09.57
